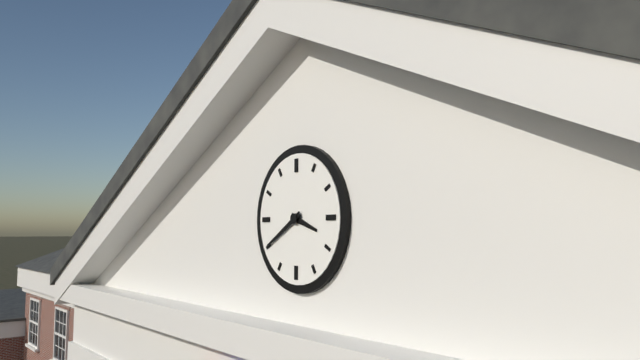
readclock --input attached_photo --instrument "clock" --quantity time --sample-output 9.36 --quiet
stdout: 3.40
